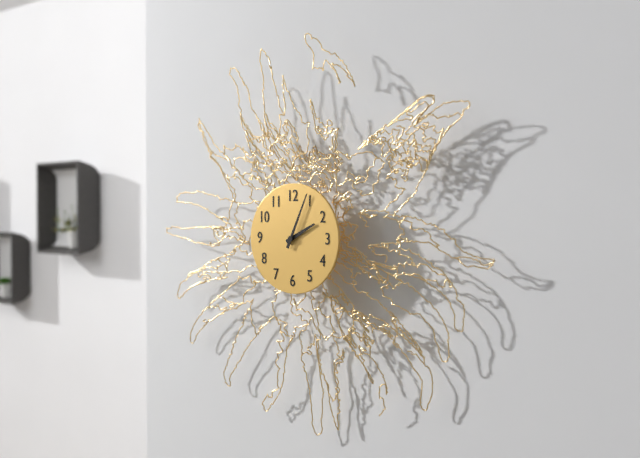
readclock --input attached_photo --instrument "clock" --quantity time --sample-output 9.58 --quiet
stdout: 2.04
